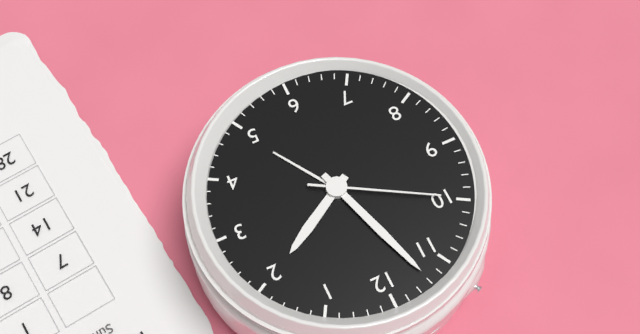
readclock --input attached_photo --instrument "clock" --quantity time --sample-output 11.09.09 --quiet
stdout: 1.57.50
